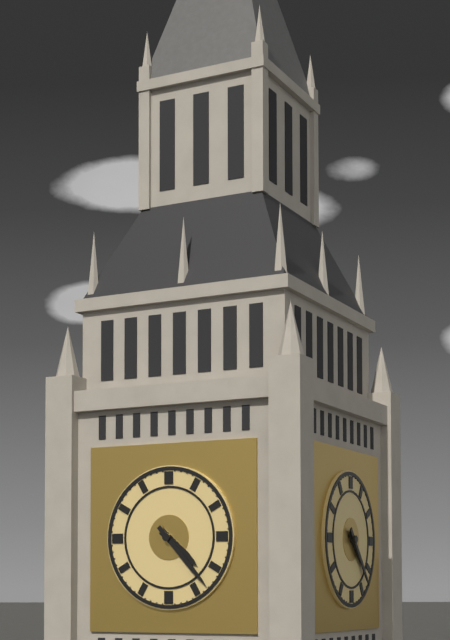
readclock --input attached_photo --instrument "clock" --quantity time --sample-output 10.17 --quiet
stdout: 4.23
